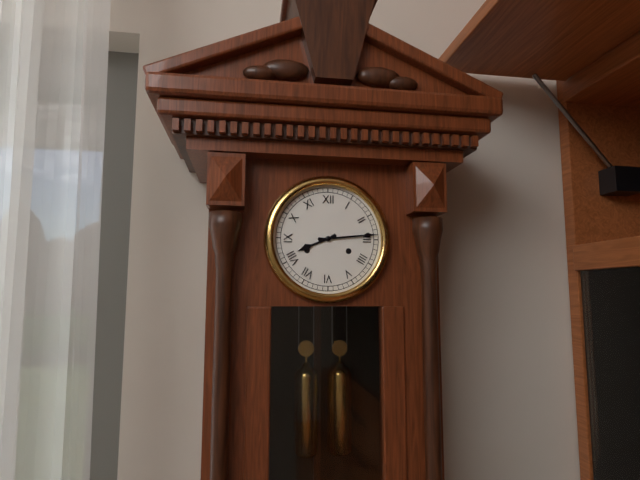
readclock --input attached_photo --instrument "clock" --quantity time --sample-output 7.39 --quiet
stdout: 8.14
